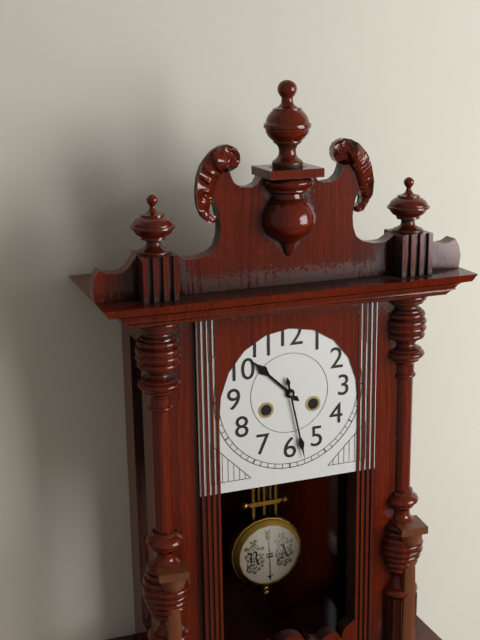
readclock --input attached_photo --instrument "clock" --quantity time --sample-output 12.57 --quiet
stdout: 10.28
